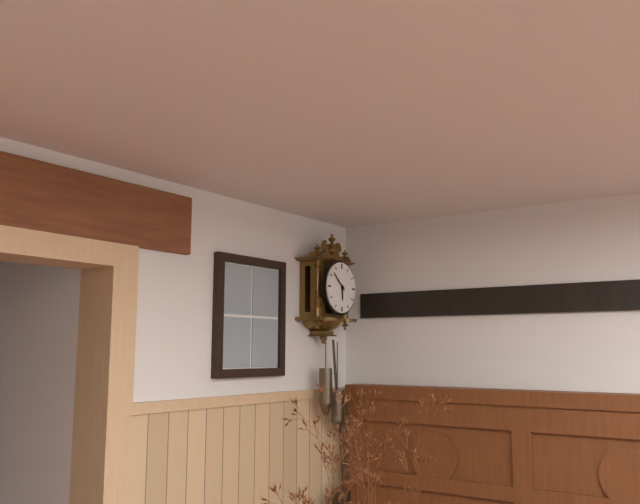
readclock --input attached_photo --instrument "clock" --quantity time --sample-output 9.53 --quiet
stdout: 5.52
